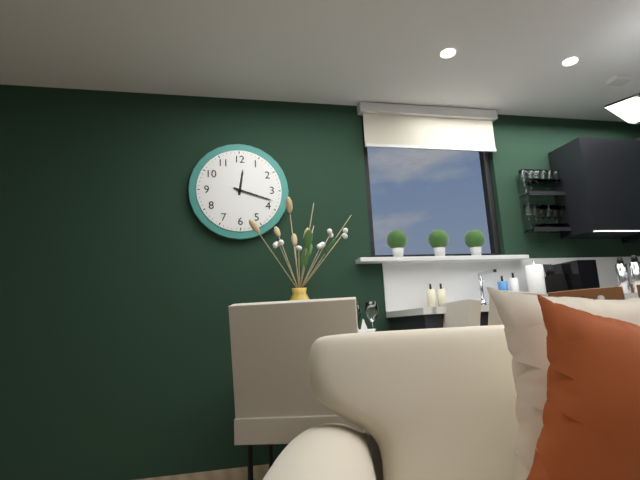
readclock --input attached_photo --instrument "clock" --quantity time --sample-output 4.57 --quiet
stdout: 12.18
